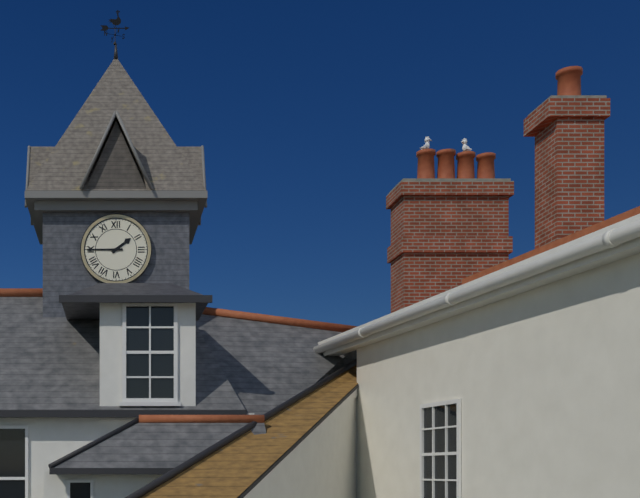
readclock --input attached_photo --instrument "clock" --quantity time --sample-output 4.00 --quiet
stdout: 1.45
